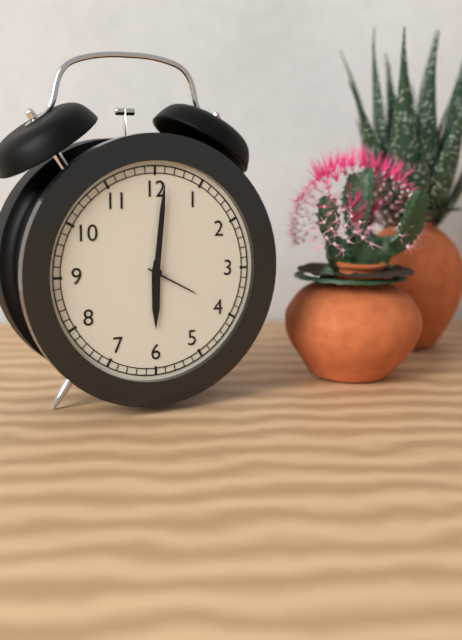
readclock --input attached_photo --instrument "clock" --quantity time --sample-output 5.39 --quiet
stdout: 6.01
